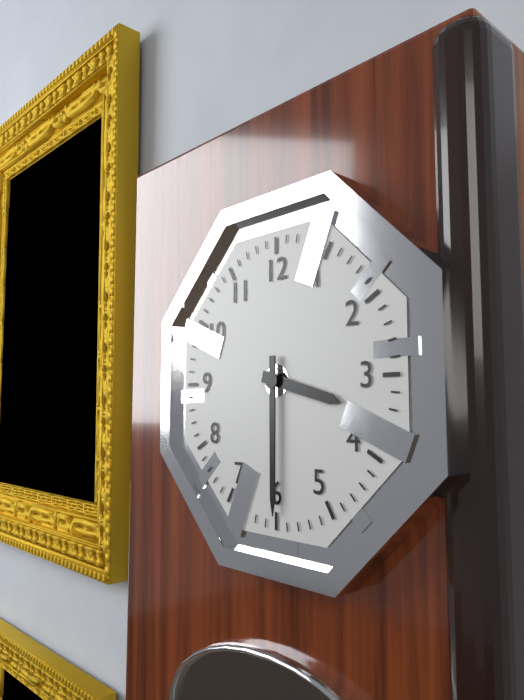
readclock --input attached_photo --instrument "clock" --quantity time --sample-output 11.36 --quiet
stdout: 3.30
